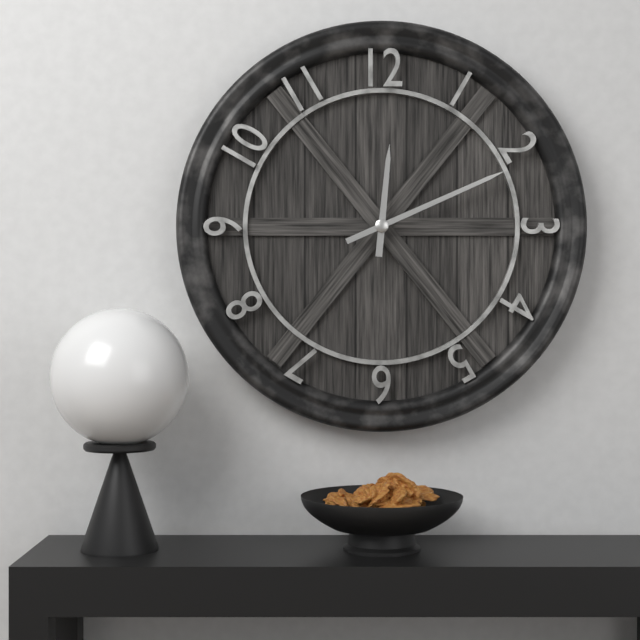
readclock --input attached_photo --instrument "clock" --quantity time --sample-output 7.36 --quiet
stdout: 12.11
